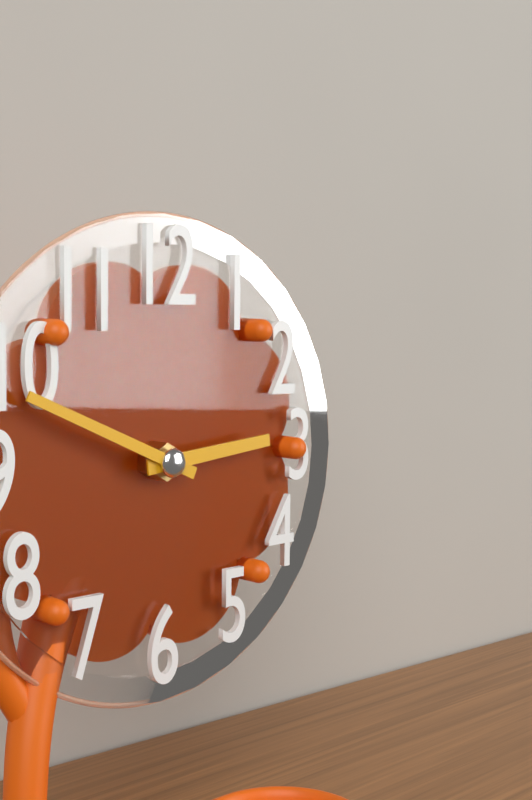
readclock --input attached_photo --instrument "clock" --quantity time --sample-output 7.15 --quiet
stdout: 2.49
